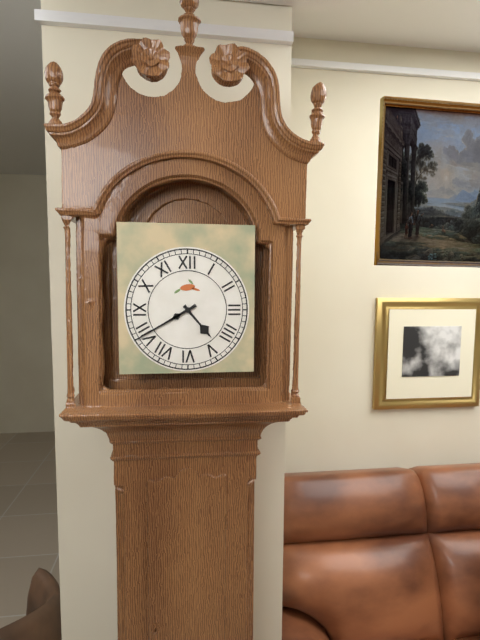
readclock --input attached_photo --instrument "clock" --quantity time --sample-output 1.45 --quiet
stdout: 4.40
